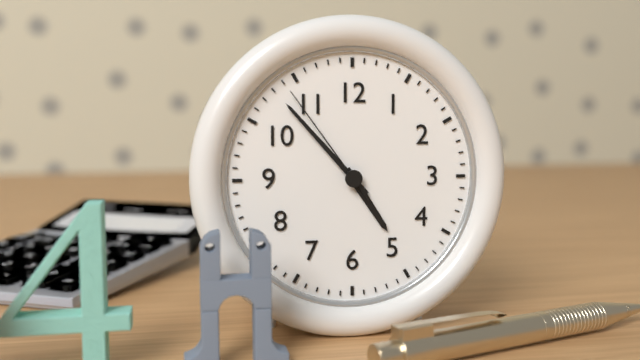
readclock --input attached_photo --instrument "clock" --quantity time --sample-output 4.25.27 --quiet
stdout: 4.53.54
